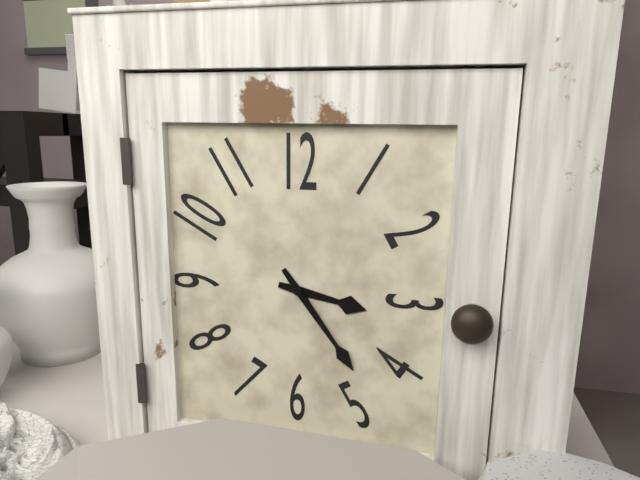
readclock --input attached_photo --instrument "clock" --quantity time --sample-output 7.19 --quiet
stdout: 3.24
